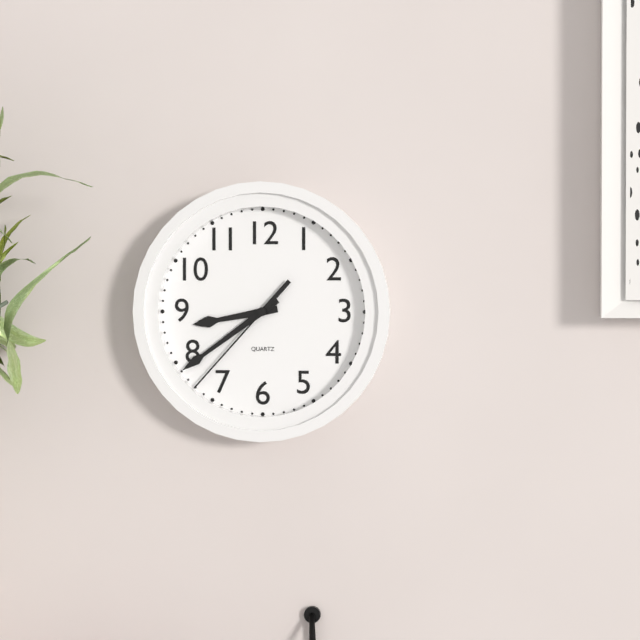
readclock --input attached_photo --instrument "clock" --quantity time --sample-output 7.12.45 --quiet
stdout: 8.39.37
